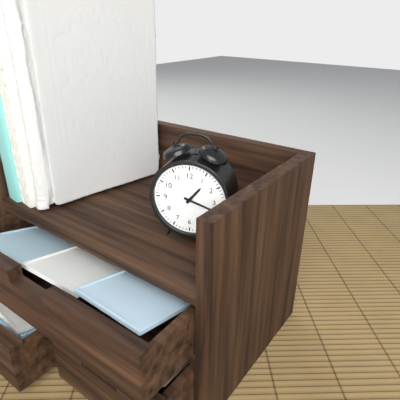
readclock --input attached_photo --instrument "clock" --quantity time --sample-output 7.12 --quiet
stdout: 1.18
